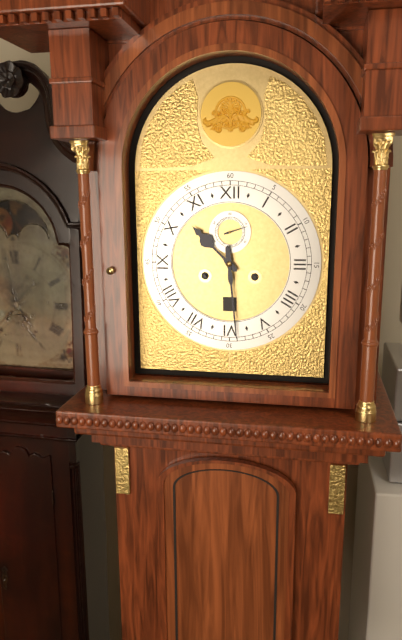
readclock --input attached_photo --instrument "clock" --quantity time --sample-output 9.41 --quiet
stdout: 10.29
